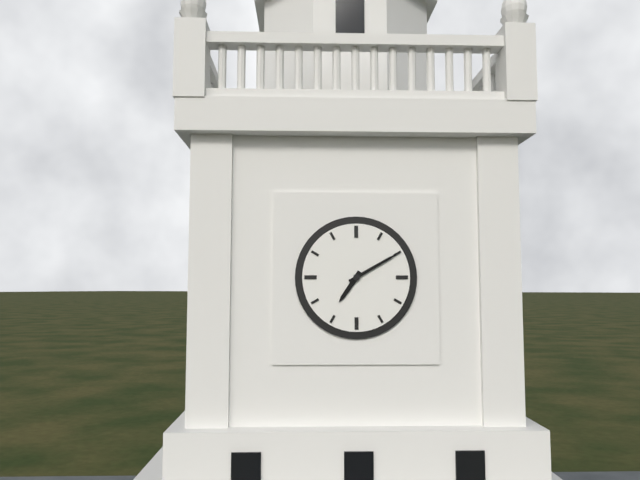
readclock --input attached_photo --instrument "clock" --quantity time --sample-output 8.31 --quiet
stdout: 7.10
